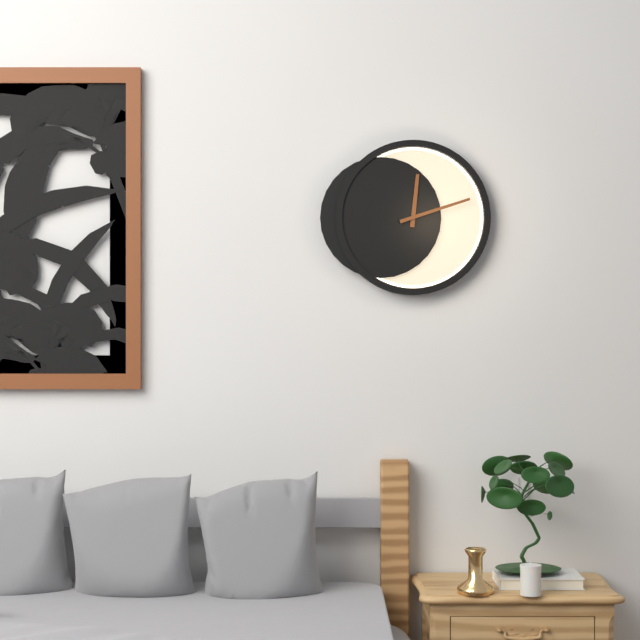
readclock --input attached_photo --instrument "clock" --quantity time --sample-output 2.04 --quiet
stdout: 12.12
